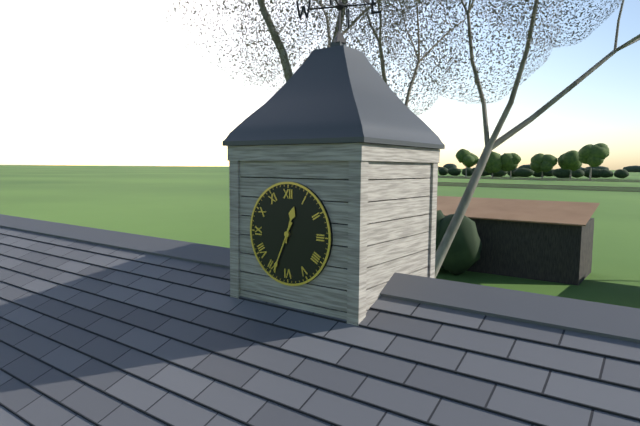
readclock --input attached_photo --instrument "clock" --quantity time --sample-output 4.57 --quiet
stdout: 12.34
